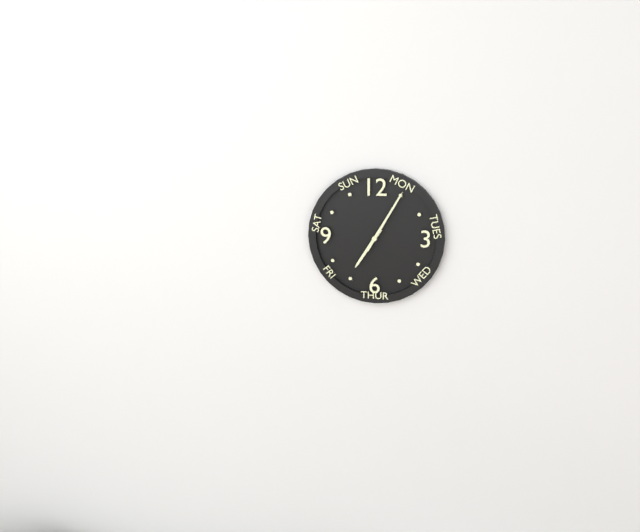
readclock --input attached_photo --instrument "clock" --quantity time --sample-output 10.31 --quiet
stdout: 7.05
